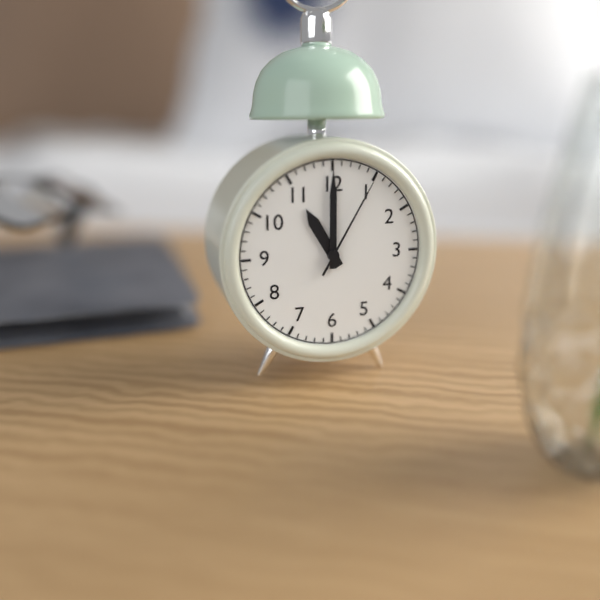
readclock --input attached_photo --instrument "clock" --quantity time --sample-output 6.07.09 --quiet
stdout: 11.00.05
